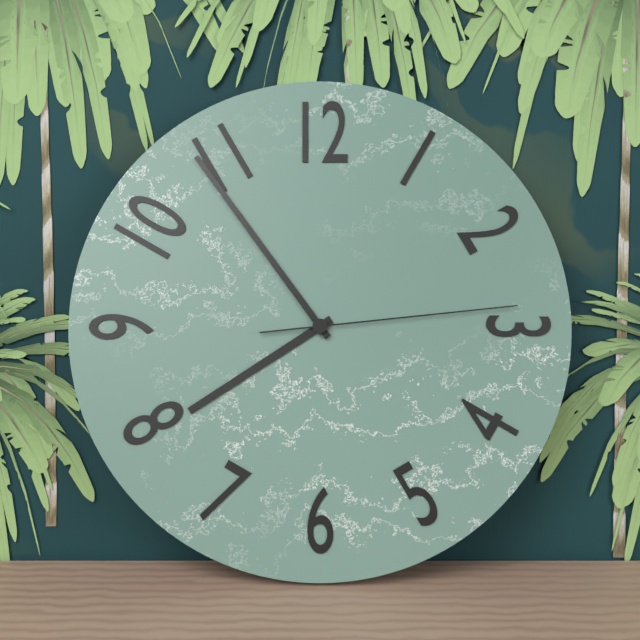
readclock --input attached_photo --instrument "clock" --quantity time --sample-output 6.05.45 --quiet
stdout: 7.54.14
